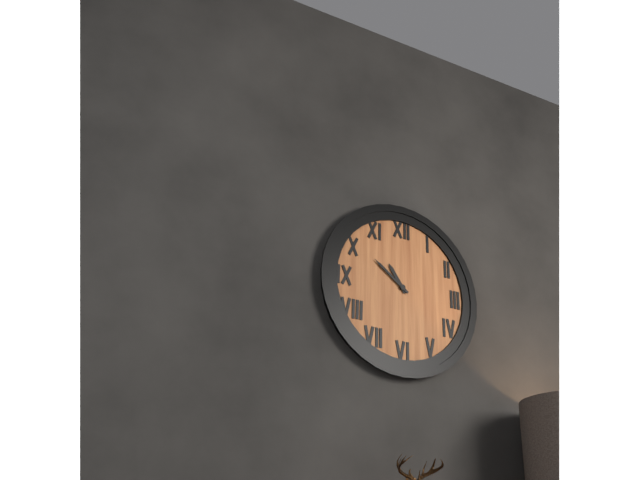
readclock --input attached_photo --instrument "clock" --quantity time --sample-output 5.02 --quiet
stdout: 10.51
